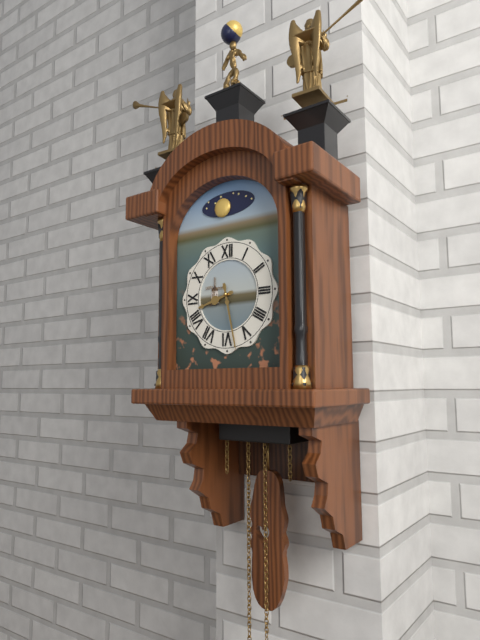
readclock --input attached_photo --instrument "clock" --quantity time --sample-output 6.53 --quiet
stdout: 8.28
